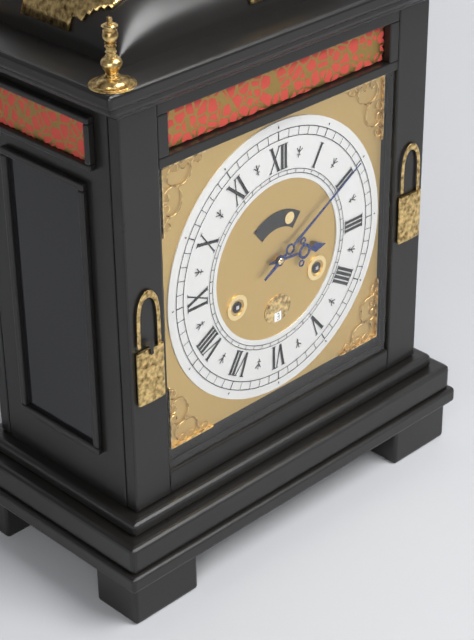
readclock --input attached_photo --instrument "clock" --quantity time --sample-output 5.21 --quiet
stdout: 3.10
